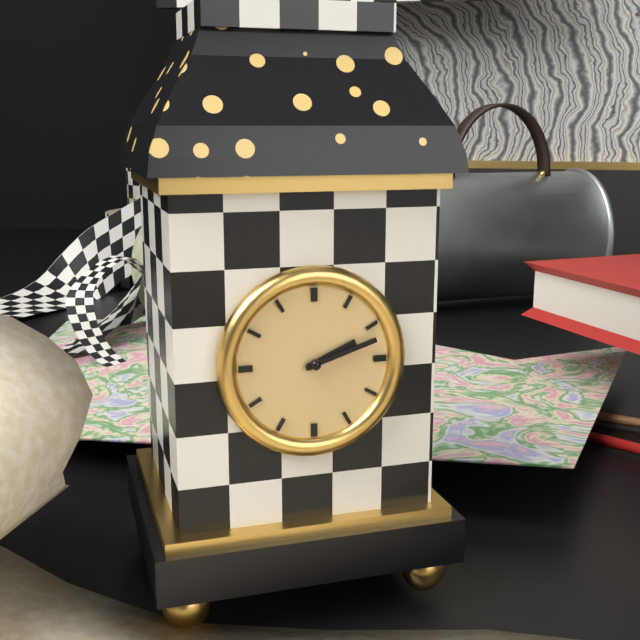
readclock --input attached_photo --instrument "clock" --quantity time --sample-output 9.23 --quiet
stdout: 2.12
